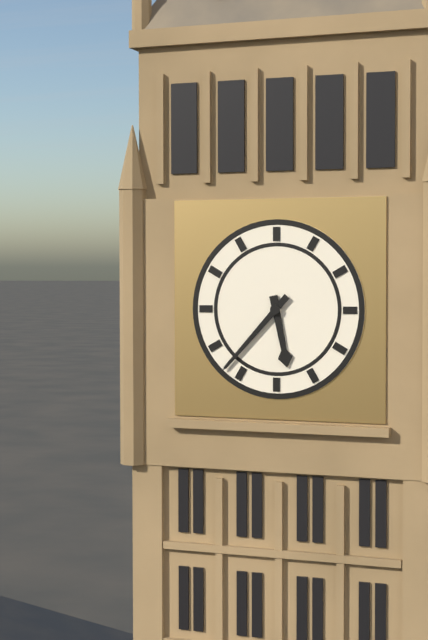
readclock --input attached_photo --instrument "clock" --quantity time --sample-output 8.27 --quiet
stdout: 5.37
